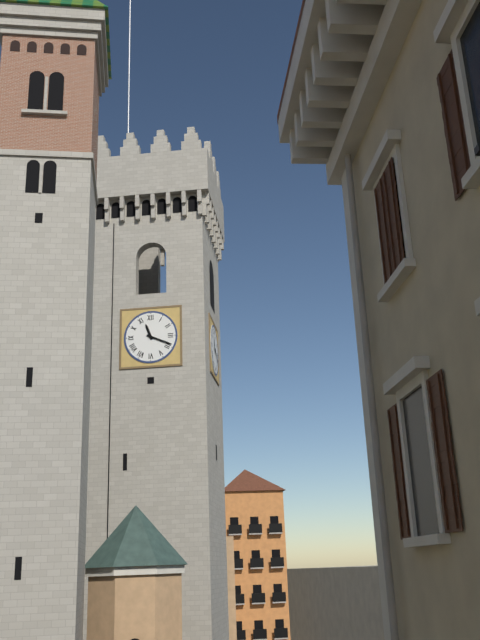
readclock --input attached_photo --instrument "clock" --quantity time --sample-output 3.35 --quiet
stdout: 11.19
